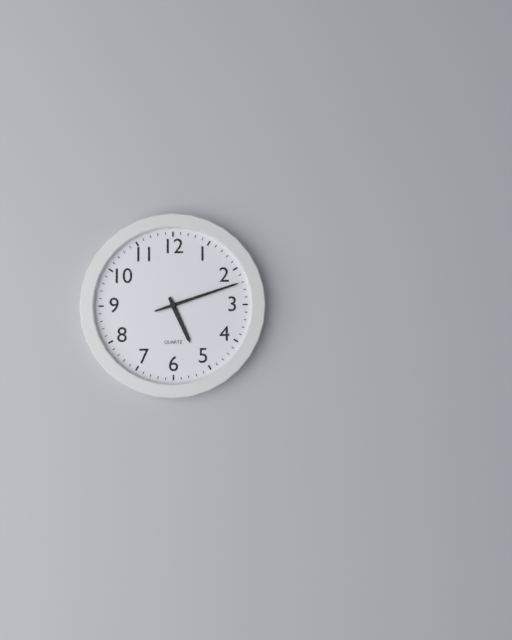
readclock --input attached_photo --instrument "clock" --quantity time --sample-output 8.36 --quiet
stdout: 5.12
